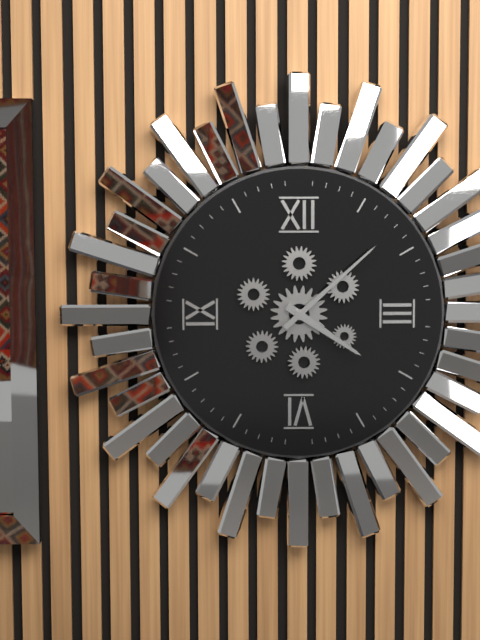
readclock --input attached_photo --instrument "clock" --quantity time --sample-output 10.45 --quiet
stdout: 4.08
